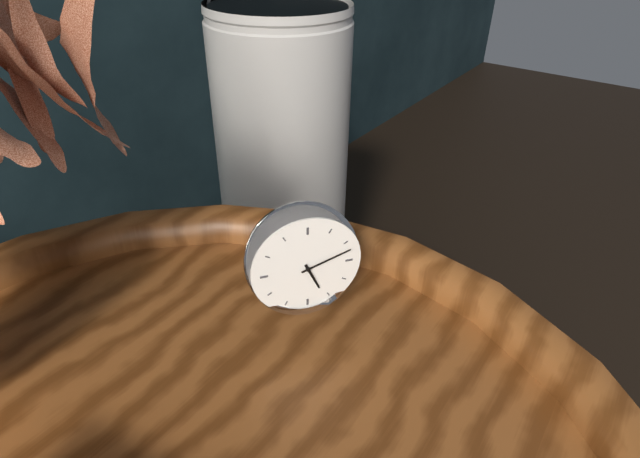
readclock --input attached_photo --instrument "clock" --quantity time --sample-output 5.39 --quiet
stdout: 5.12
